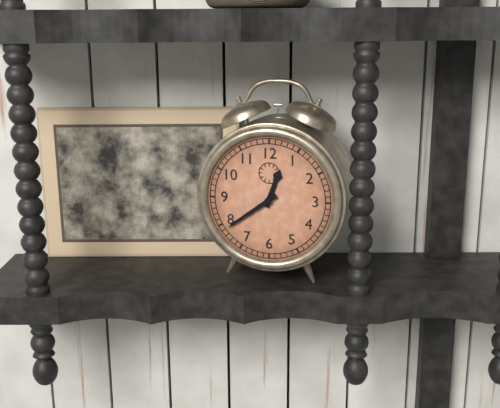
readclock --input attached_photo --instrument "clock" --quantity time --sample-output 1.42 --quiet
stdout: 12.39
